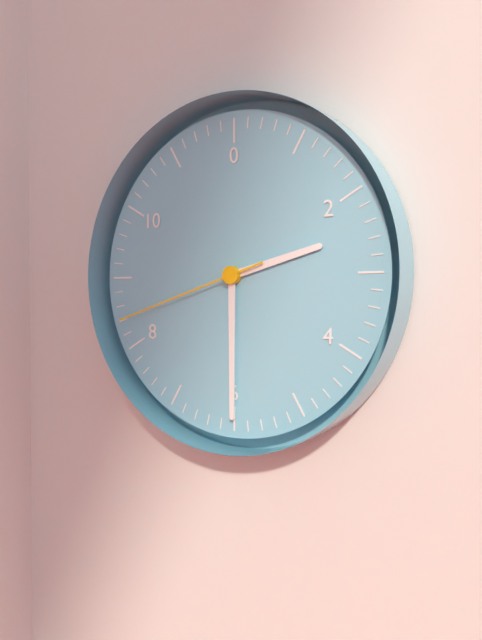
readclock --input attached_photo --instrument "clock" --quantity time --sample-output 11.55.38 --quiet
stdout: 2.30.42
